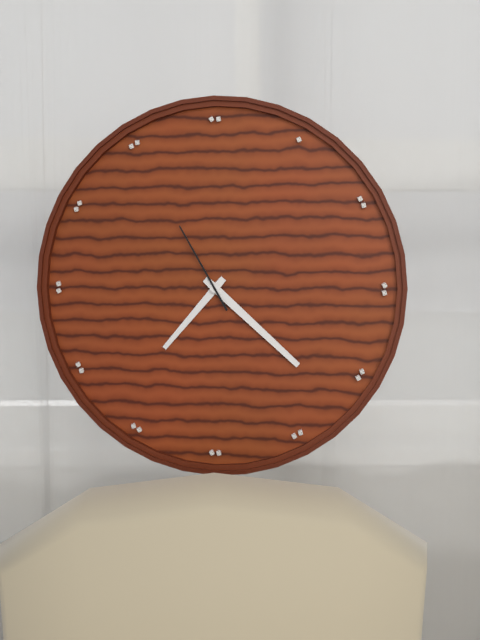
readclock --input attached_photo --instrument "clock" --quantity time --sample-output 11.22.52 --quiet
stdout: 7.22.55
